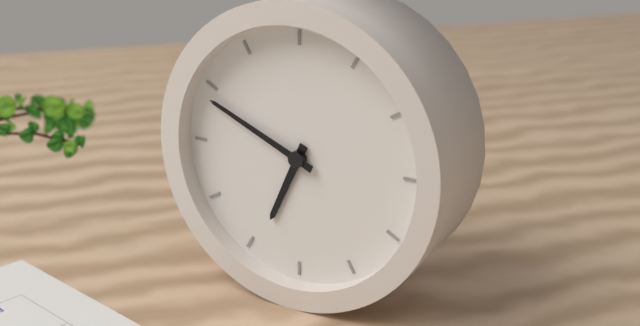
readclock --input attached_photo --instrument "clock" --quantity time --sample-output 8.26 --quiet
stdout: 6.49
